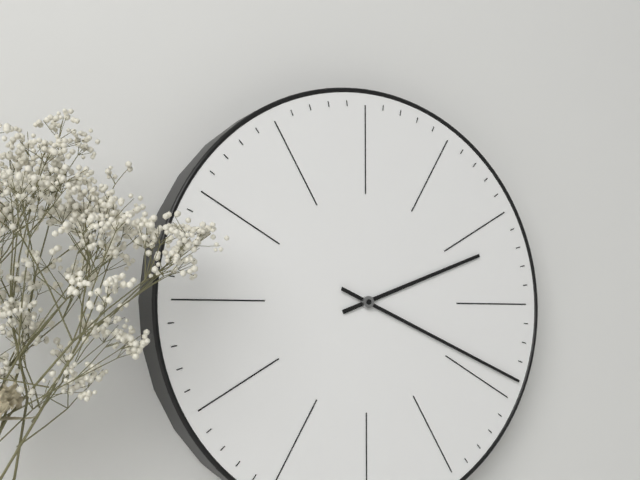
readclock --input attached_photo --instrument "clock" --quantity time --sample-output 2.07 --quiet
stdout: 2.19
